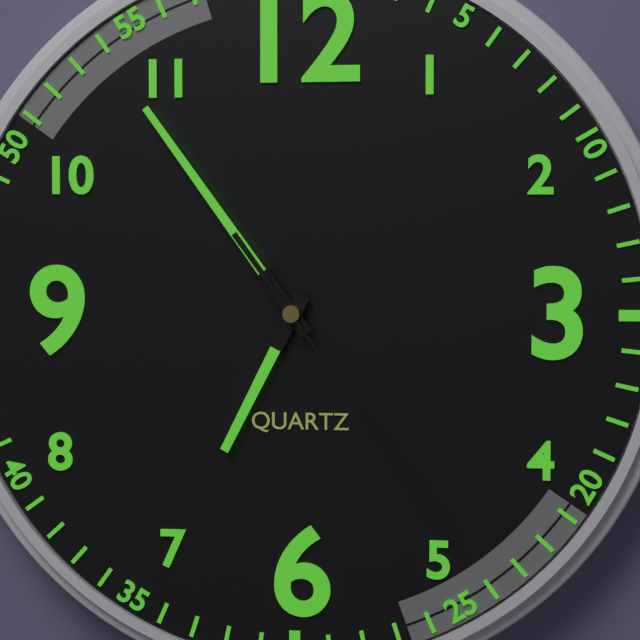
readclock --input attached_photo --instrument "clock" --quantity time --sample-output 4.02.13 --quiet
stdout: 6.54.24
